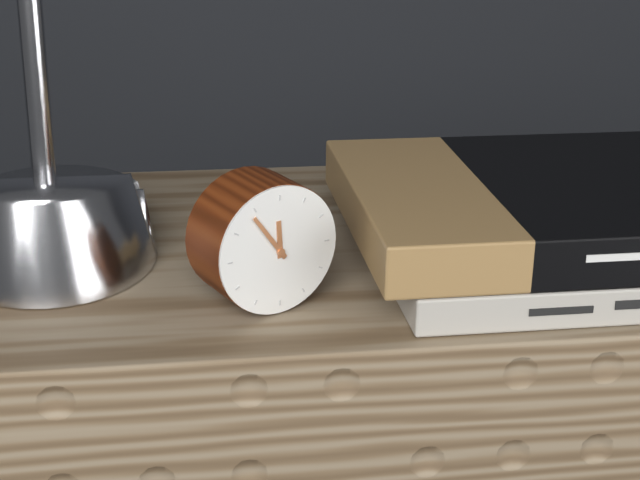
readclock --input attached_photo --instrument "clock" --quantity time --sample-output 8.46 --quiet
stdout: 11.54
